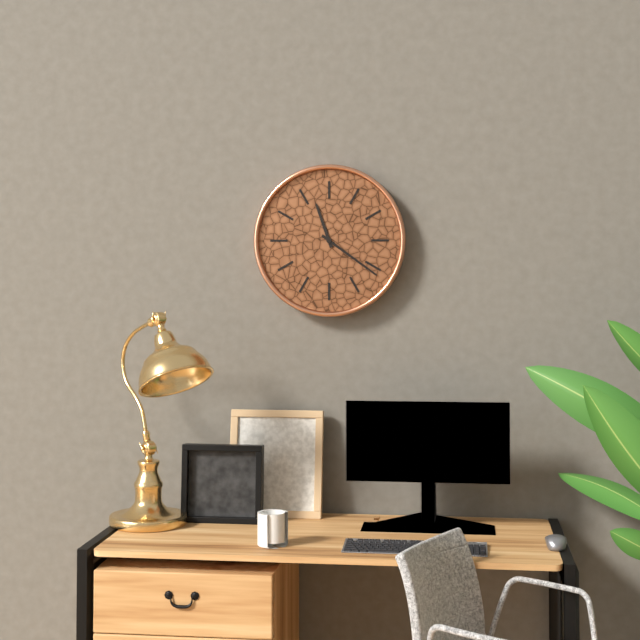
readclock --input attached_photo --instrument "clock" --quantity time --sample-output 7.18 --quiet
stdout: 11.21
